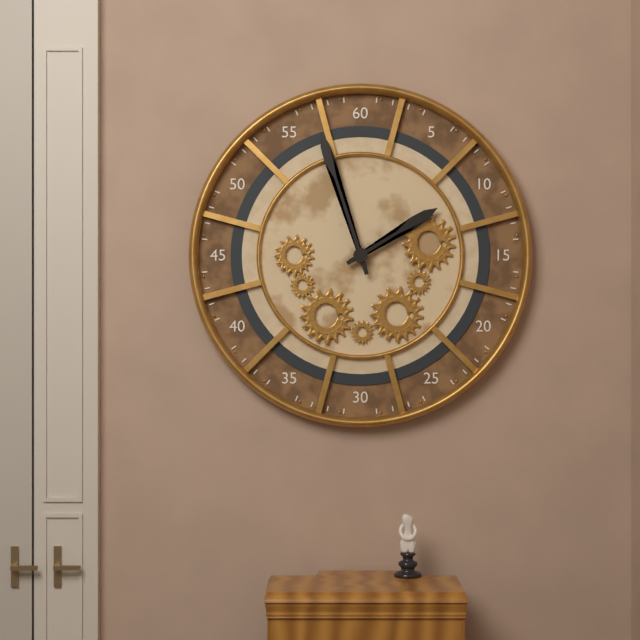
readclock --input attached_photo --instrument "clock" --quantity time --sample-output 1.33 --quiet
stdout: 1.57
